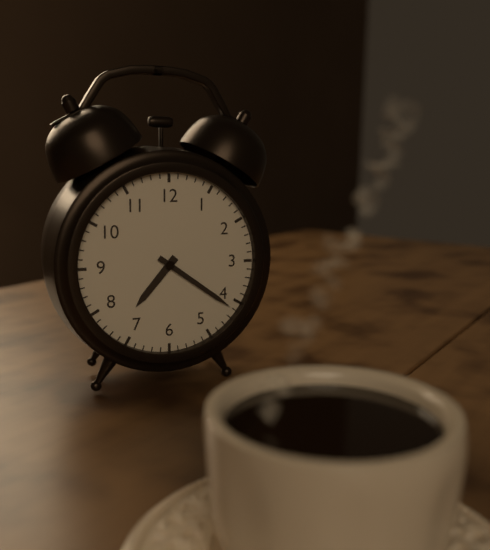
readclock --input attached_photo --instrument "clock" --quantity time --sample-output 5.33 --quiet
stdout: 7.21
